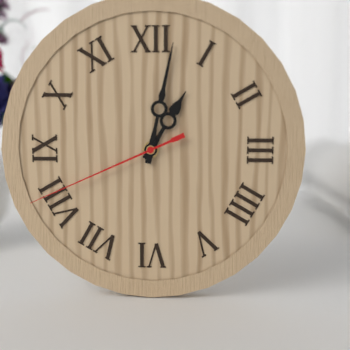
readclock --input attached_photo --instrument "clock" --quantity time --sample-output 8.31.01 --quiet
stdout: 1.02.41
